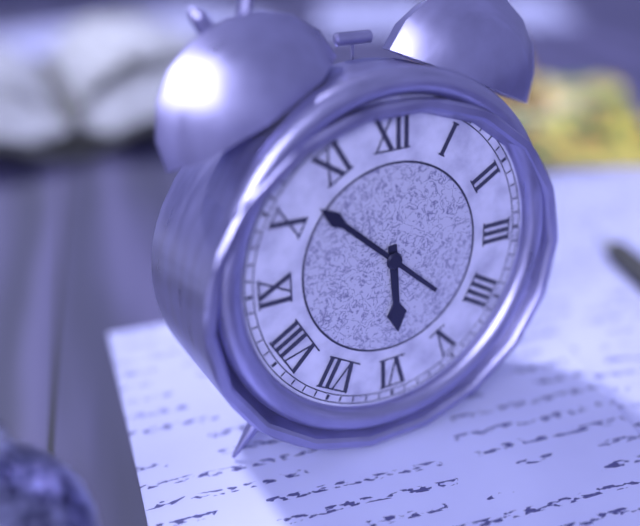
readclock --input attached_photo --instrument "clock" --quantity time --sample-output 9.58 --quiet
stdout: 5.52
